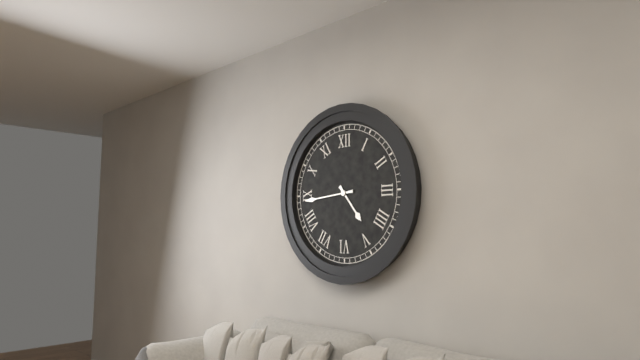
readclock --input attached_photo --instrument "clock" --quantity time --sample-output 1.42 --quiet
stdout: 4.44
